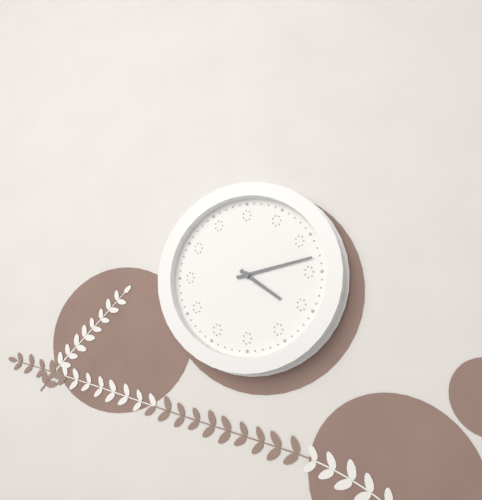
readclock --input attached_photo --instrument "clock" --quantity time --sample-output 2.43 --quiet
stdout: 4.13
